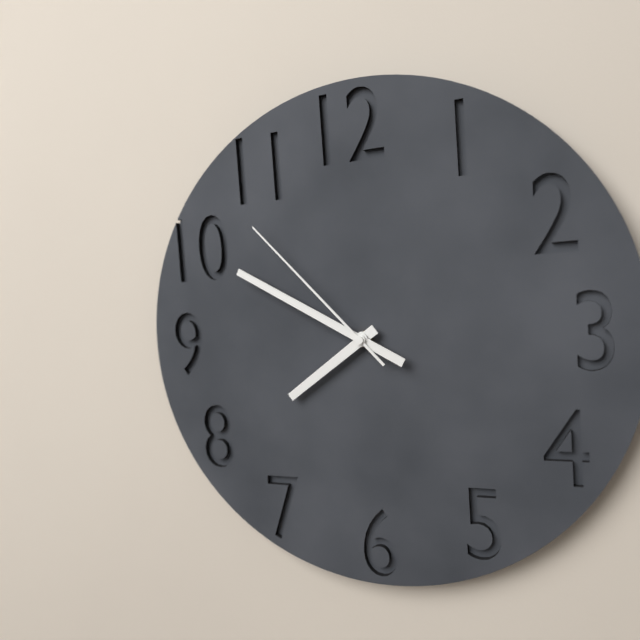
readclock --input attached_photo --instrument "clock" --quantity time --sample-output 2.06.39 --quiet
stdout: 7.50.53
